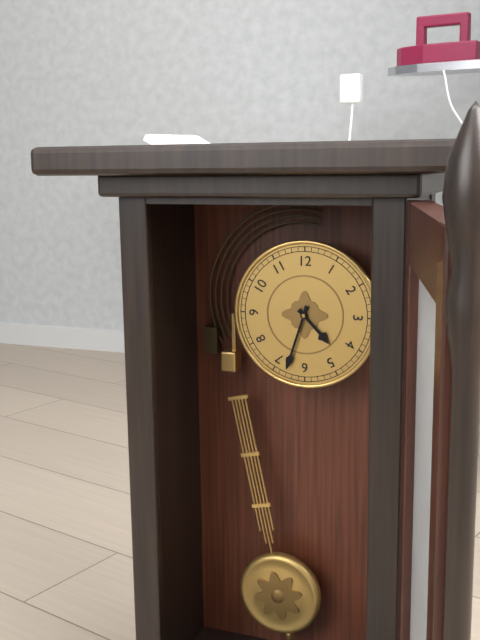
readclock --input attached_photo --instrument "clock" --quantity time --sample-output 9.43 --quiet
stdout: 4.33
